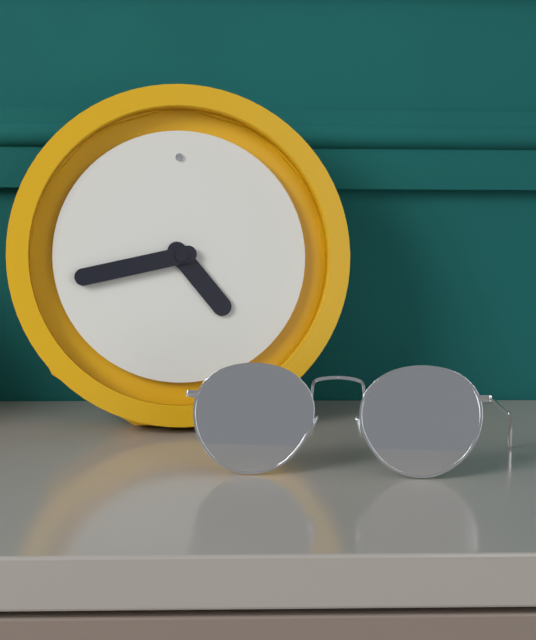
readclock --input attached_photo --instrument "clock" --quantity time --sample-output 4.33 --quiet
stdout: 4.43
